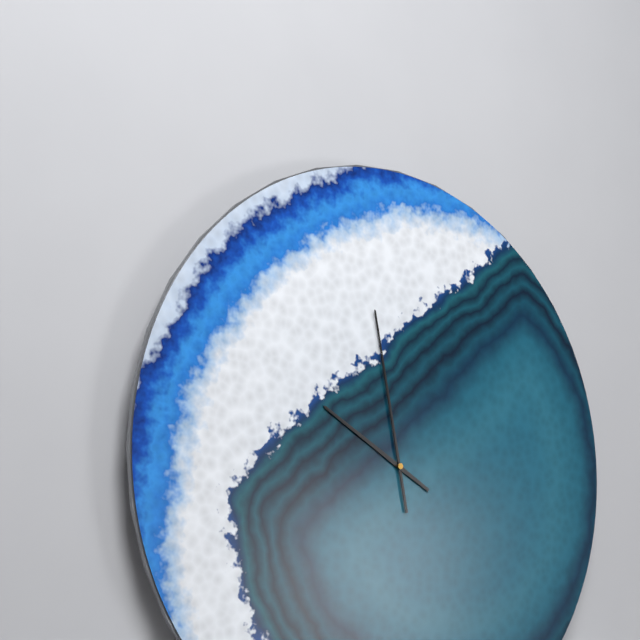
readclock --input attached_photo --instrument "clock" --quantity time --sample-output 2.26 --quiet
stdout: 9.58
